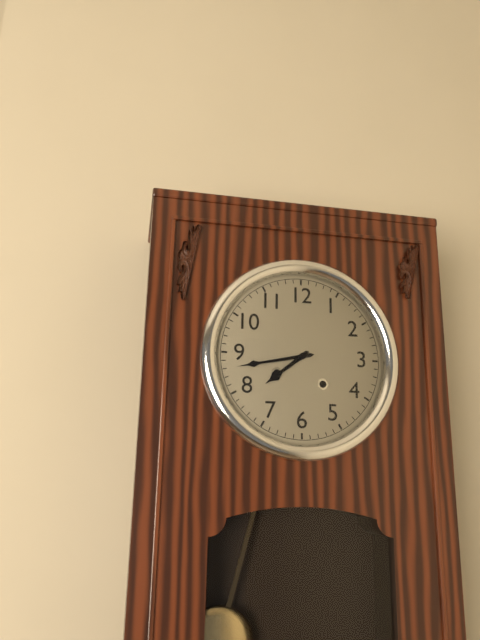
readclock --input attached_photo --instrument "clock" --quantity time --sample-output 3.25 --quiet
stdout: 7.43
